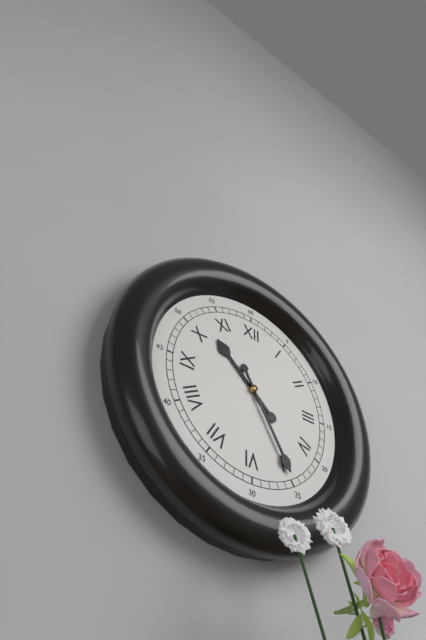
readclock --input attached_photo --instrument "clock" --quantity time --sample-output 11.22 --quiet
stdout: 10.25
